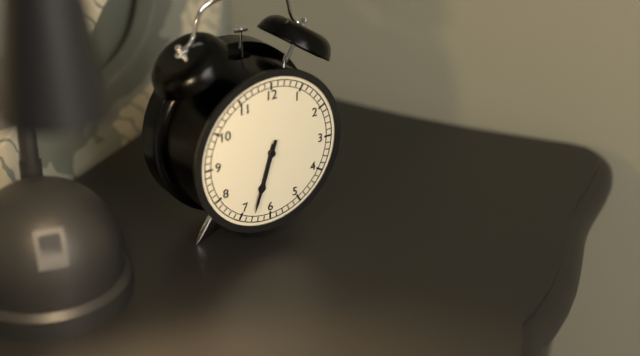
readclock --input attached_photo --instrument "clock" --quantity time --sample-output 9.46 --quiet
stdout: 6.33
